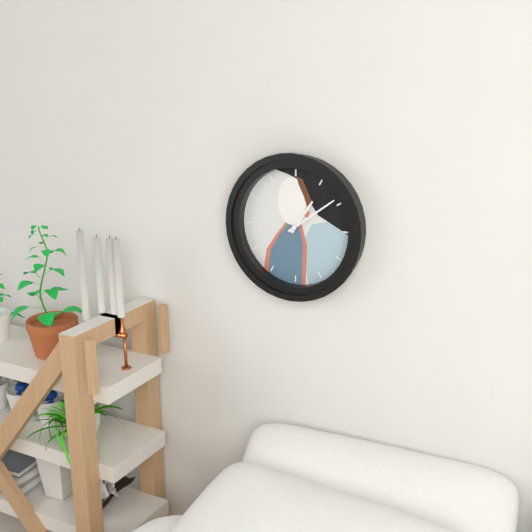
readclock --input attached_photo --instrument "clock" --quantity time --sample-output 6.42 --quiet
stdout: 1.09
